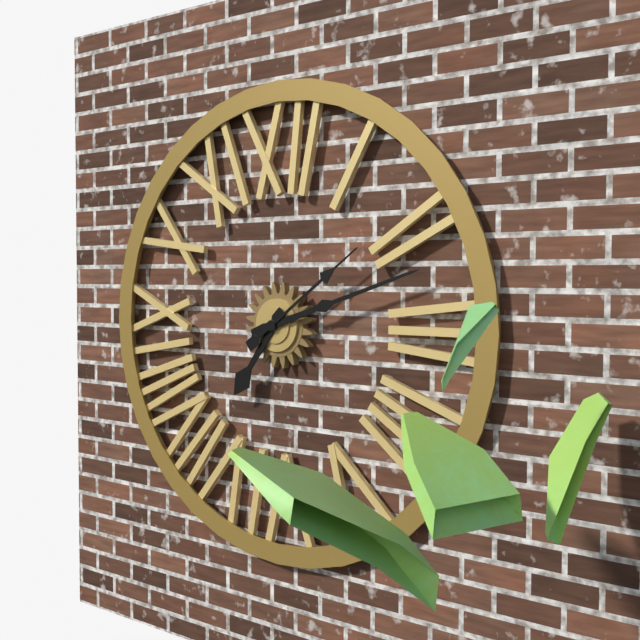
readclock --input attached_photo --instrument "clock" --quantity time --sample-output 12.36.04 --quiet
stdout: 7.12.09
